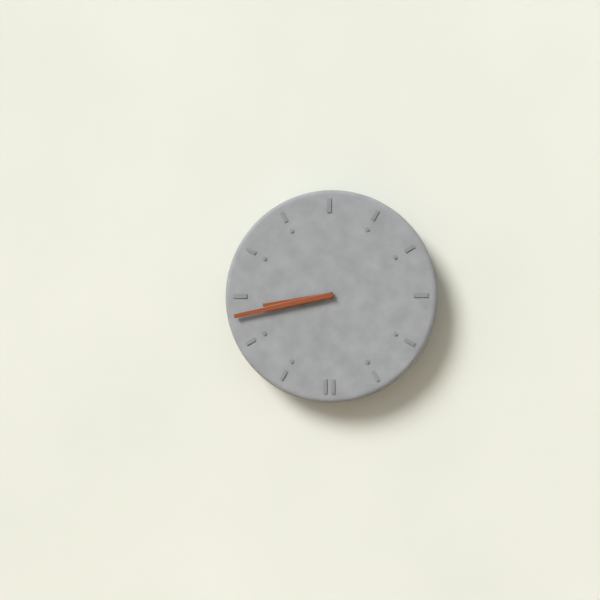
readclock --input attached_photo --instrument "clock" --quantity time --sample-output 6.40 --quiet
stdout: 8.43
